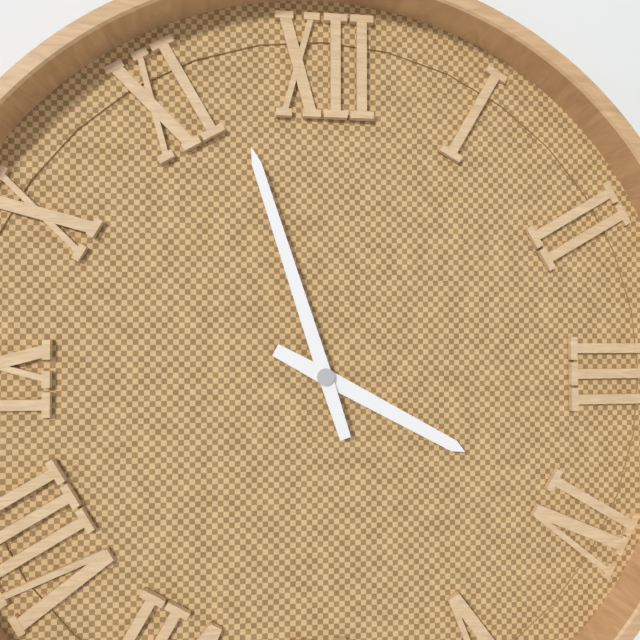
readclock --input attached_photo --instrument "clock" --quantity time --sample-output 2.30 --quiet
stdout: 3.57
